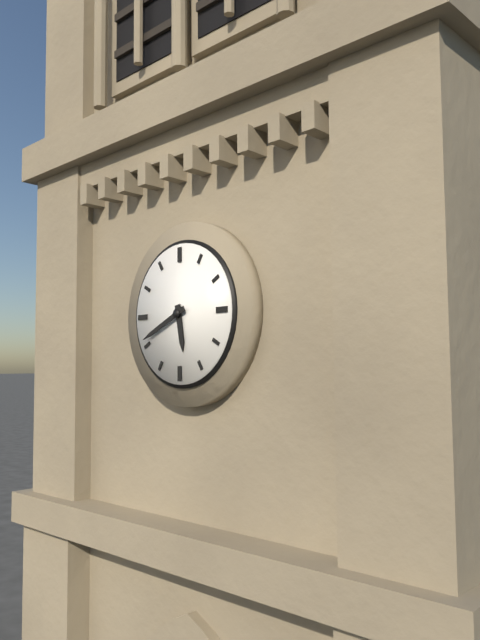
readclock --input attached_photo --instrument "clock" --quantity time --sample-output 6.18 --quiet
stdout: 5.41
